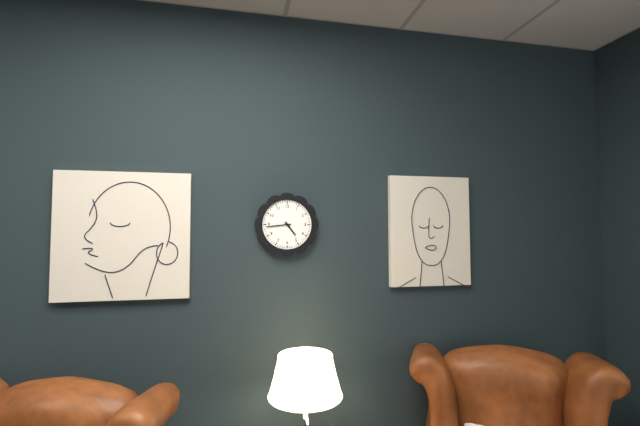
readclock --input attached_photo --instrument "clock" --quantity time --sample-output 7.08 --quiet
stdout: 4.44
